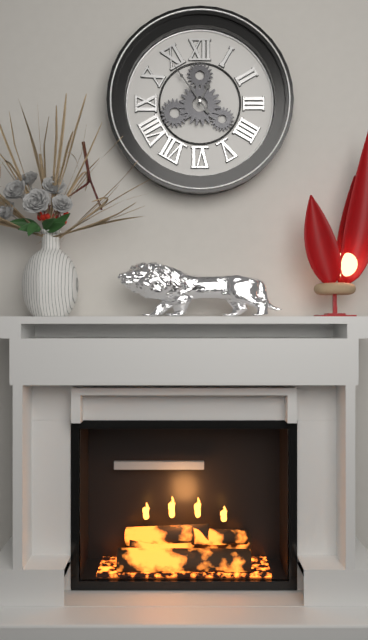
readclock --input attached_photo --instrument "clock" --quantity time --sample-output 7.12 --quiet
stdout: 12.54
